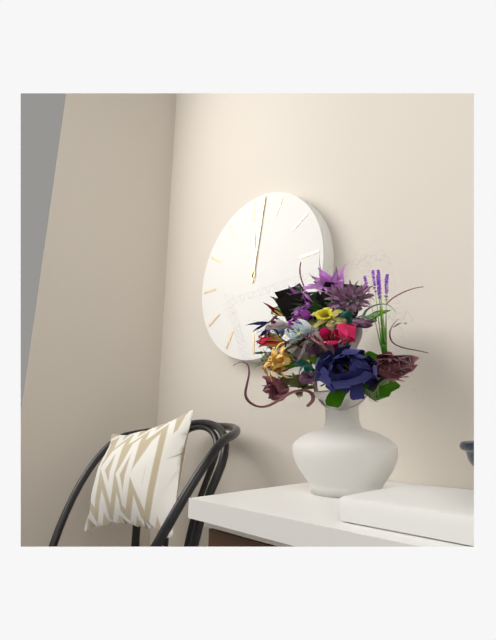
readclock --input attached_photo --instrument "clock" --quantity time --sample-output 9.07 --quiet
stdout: 12.02
